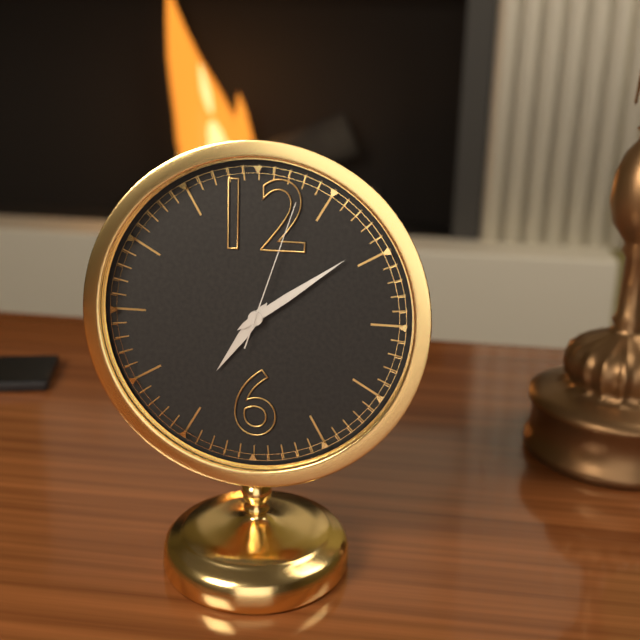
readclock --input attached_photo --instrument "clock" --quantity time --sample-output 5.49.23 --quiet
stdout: 7.09.03
